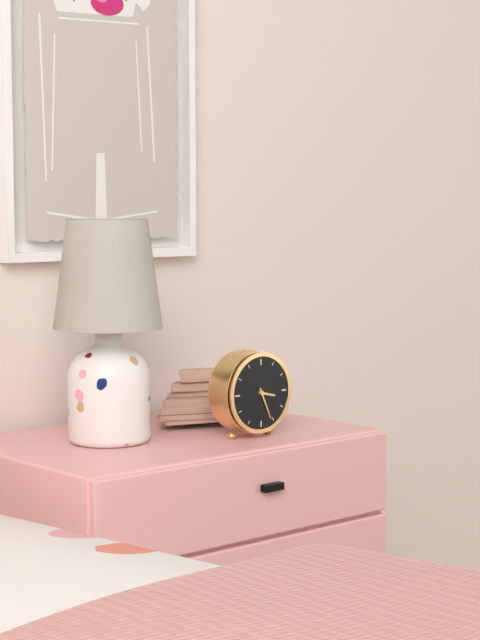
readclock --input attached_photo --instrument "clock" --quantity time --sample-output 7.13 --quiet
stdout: 3.26
